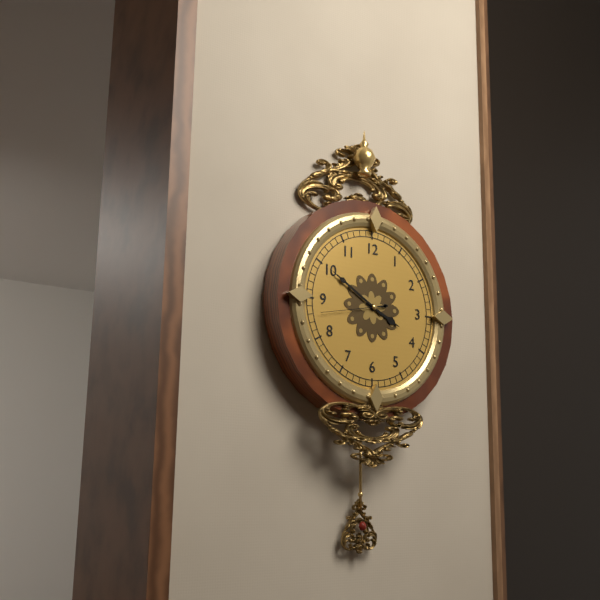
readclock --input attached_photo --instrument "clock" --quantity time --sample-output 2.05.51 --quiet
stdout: 3.50.43
